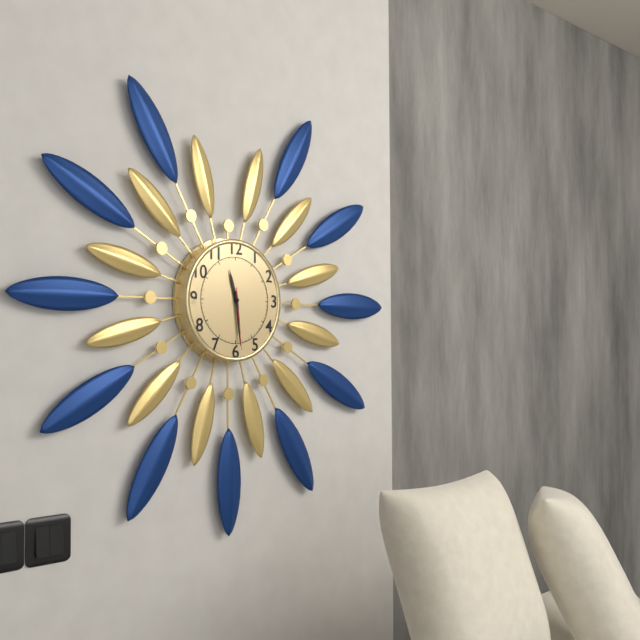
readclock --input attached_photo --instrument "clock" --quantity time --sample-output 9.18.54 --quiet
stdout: 11.29.29
